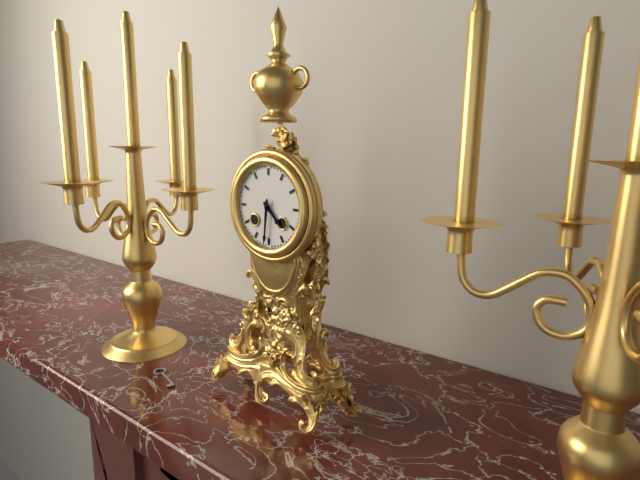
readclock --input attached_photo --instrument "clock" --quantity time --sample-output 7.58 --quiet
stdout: 4.31
